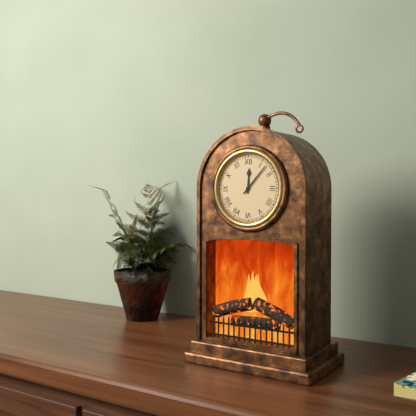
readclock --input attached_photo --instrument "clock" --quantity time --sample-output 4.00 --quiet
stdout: 12.07
